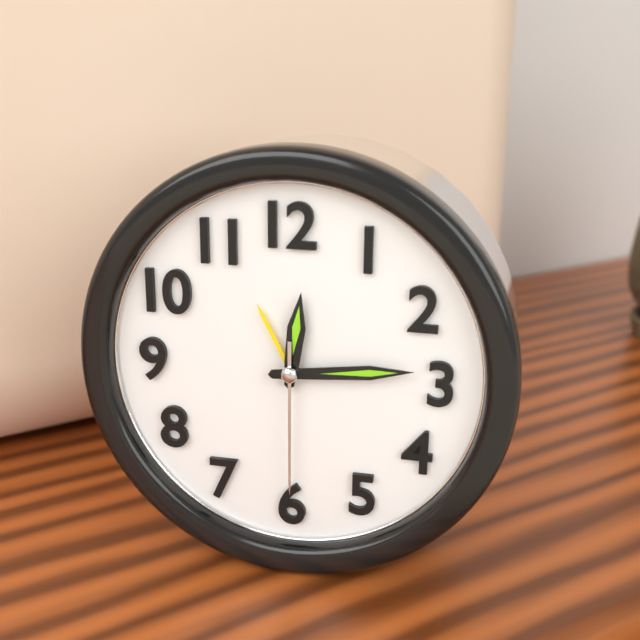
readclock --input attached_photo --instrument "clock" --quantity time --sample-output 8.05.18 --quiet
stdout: 12.14.30
